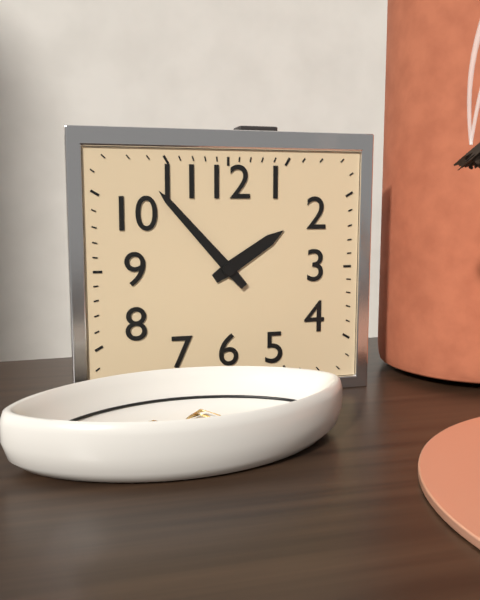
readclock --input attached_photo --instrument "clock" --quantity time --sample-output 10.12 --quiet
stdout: 1.53
